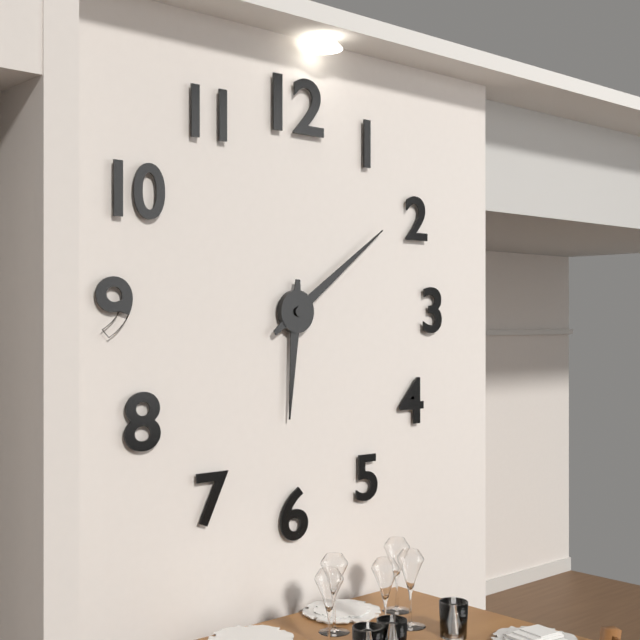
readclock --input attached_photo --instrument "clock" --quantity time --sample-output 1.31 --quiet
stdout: 6.09
